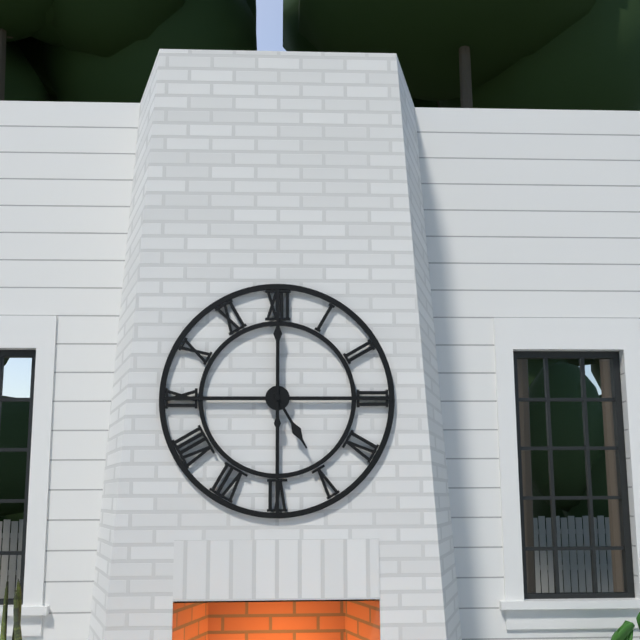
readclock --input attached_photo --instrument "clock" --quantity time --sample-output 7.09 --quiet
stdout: 5.00
